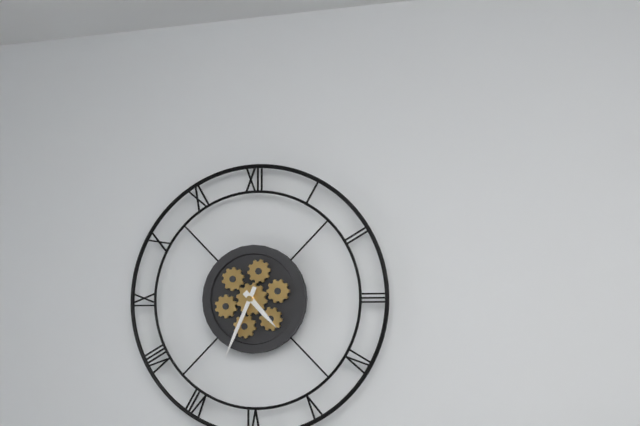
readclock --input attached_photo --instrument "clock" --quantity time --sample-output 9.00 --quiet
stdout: 4.34
